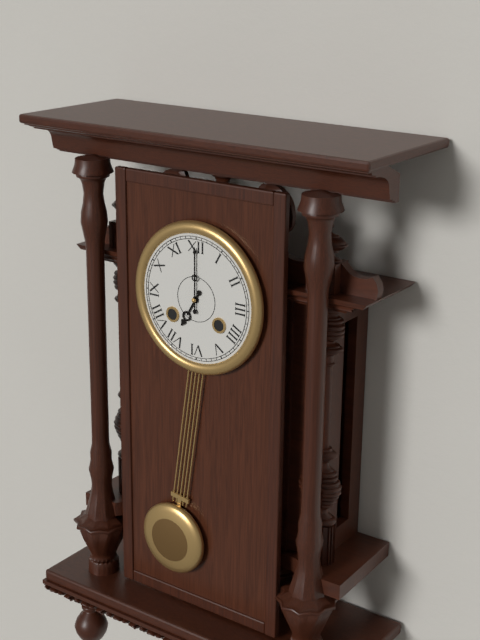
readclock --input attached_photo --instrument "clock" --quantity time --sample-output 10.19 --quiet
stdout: 7.00
